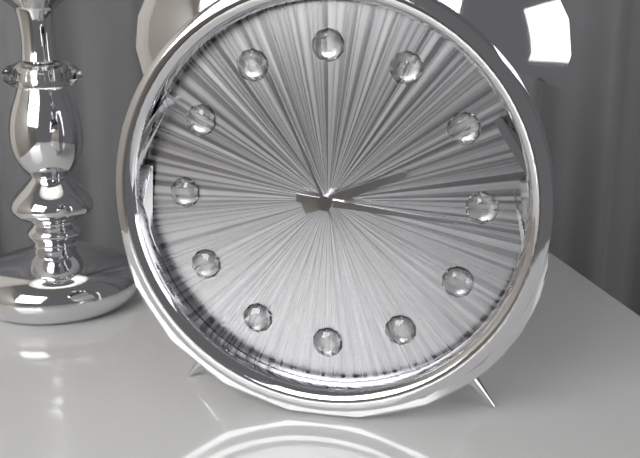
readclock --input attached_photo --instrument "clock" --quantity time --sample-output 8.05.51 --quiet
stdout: 2.16.56
